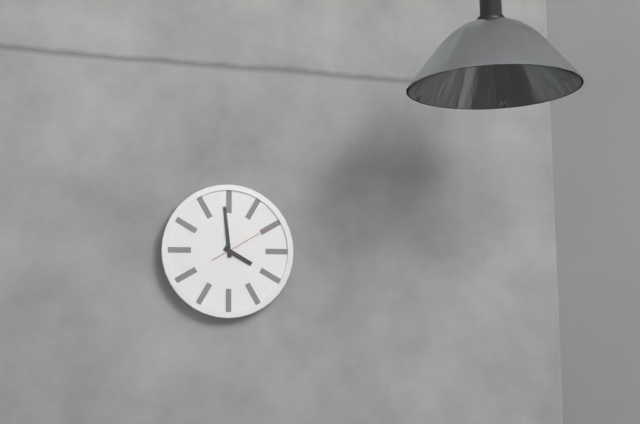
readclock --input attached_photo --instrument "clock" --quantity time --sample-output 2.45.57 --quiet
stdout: 3.59.10
